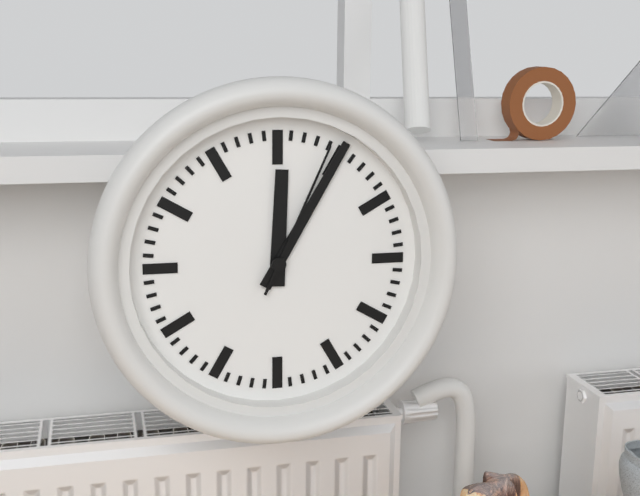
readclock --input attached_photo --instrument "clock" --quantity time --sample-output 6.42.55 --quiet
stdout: 12.05.04
